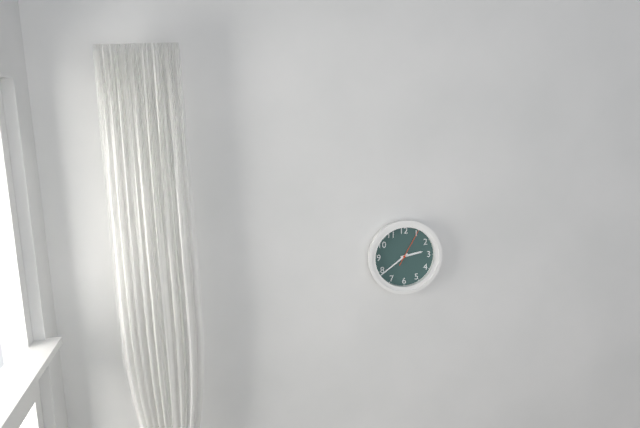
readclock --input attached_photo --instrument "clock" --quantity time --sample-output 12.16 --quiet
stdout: 2.39
